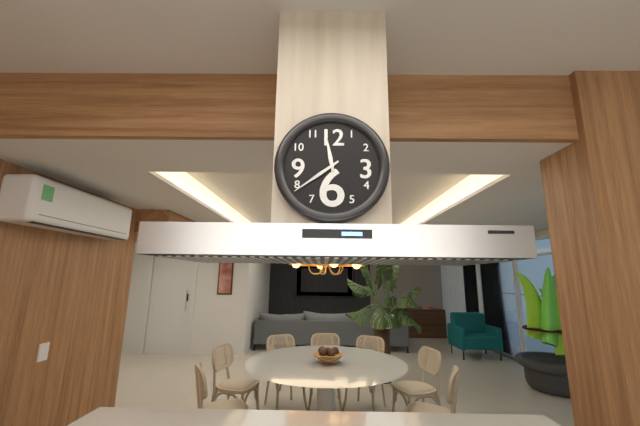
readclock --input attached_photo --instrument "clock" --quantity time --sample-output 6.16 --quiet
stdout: 11.39
